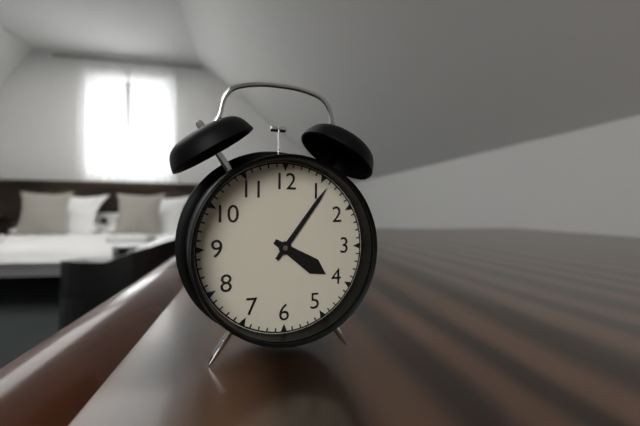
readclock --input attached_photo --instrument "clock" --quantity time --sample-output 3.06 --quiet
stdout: 4.06
